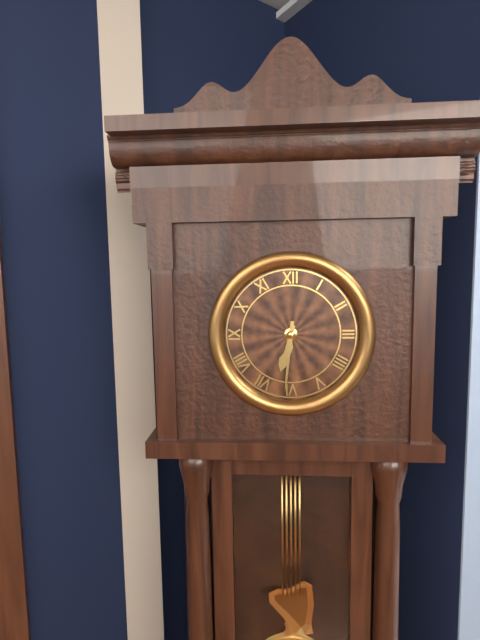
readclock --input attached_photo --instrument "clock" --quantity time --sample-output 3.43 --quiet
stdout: 6.31
